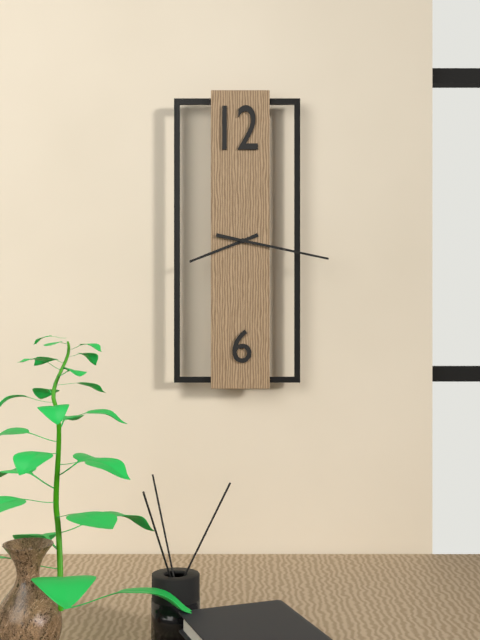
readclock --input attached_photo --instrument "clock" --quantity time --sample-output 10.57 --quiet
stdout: 8.17
